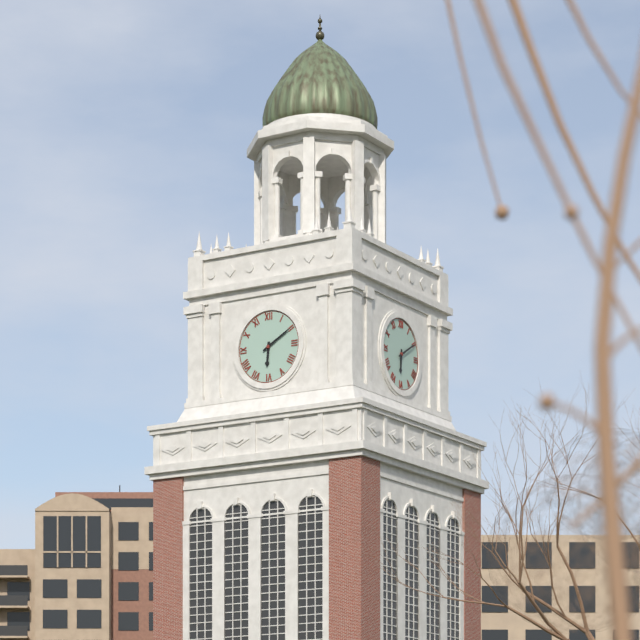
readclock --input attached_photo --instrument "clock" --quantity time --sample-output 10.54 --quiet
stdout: 6.10
